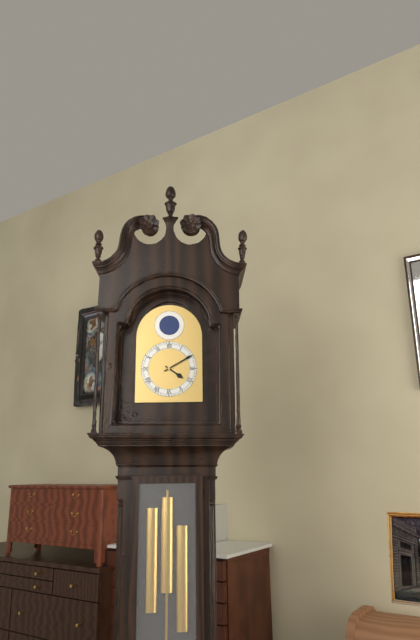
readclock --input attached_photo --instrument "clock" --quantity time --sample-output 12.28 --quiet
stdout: 4.10
